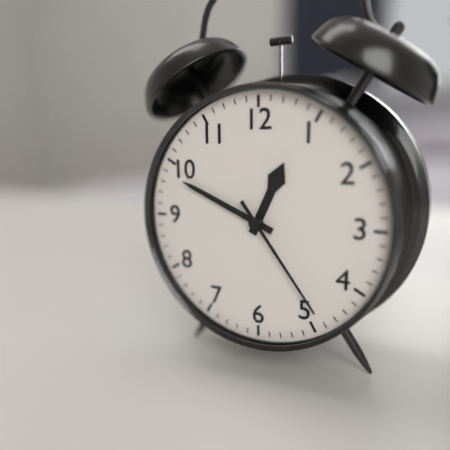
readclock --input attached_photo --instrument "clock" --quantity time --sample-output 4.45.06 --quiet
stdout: 12.49.24
